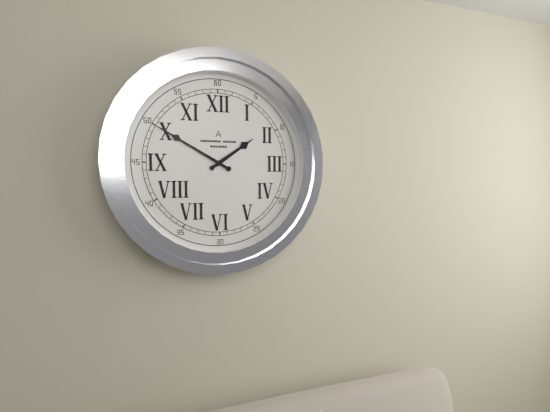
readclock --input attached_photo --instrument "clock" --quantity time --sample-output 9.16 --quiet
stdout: 1.50
